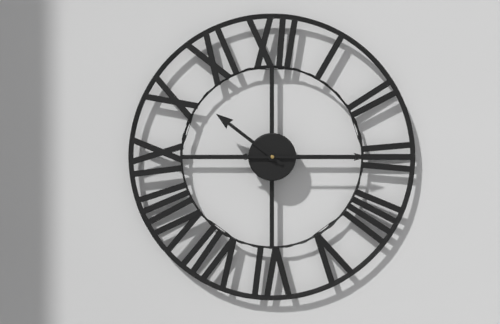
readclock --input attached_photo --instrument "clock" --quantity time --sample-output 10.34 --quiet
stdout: 10.15
